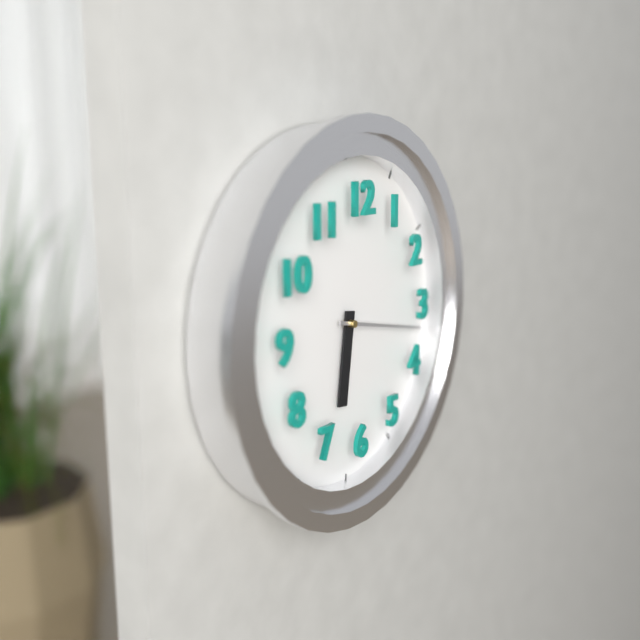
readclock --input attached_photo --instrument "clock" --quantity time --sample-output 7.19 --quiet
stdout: 6.17
